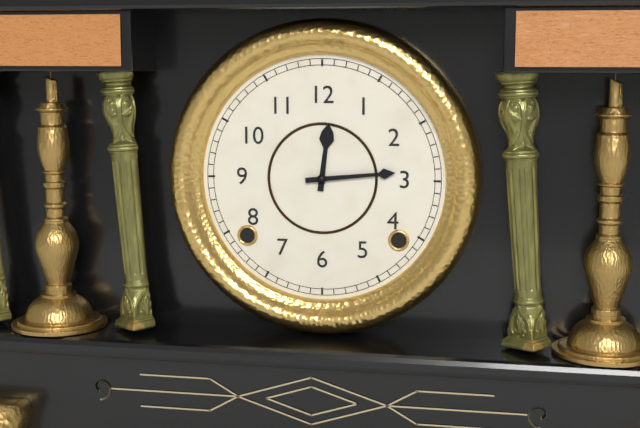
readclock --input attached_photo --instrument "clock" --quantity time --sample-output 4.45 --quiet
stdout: 12.14
